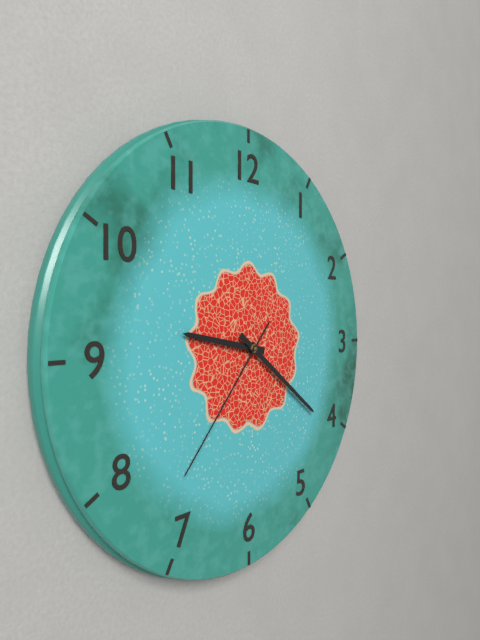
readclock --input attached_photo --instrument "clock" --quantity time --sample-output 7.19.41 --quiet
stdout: 9.21.37
